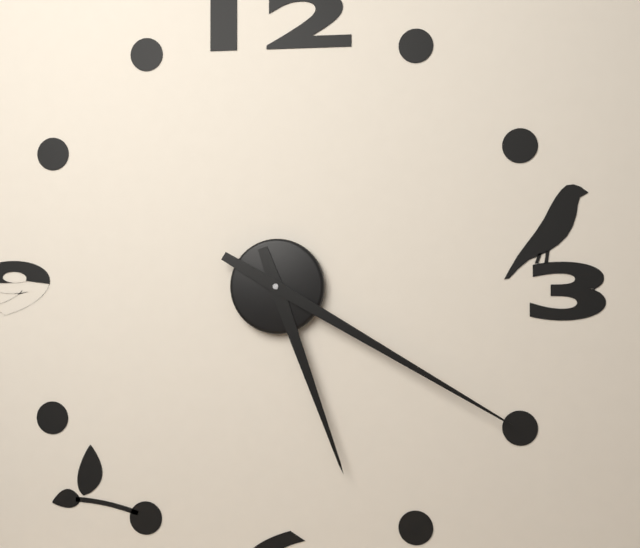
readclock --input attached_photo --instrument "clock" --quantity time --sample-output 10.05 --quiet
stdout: 5.20
